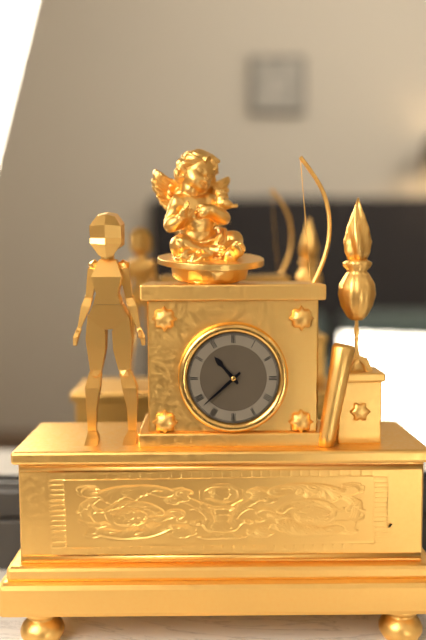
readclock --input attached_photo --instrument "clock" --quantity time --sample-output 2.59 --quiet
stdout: 10.38
